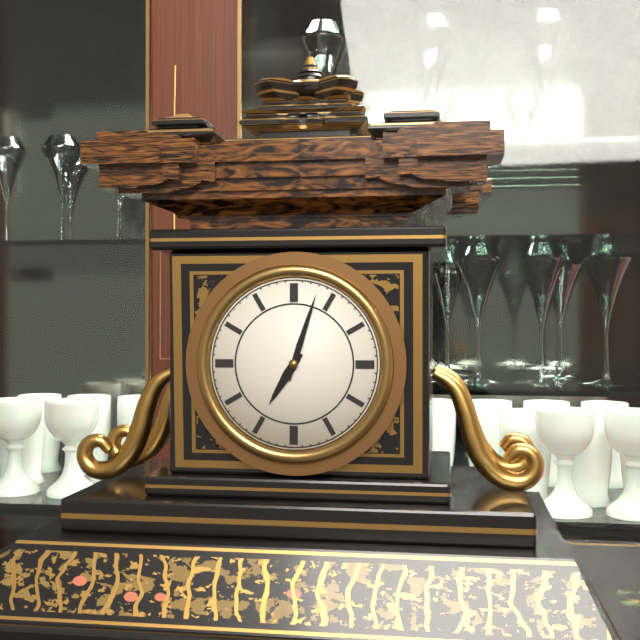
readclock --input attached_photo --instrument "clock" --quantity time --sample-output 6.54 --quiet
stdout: 7.03
